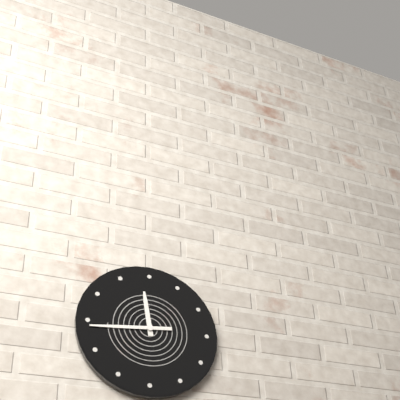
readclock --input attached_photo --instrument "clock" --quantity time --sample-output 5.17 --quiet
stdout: 11.44
